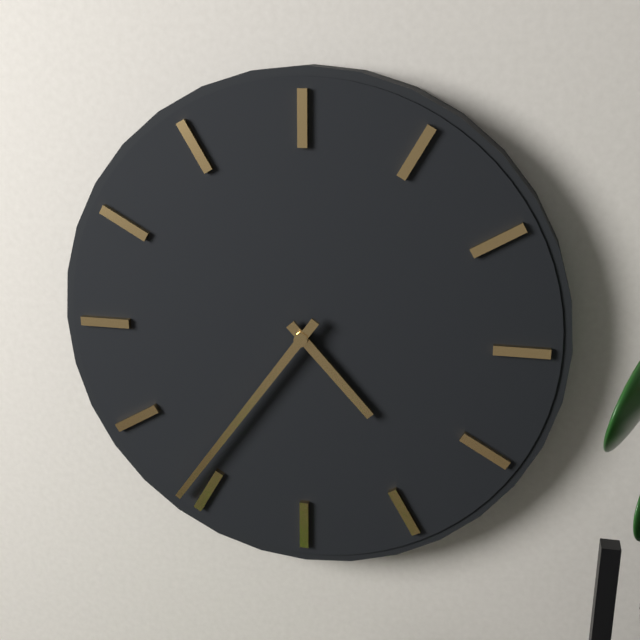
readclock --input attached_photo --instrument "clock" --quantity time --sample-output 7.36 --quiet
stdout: 4.36
